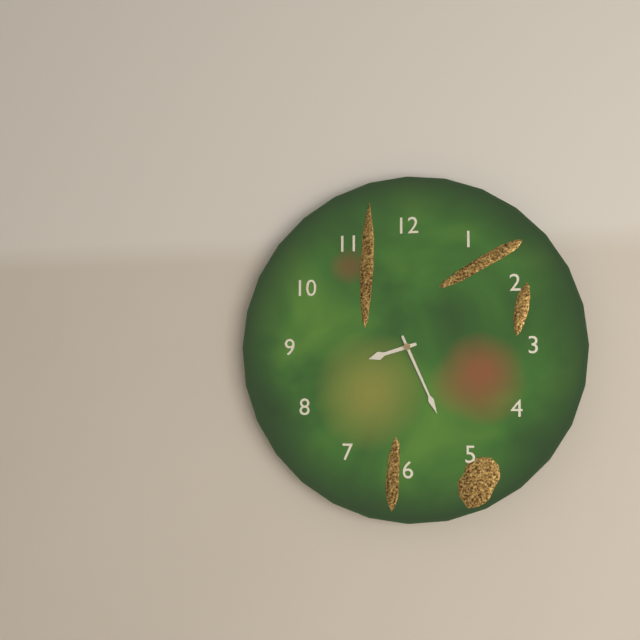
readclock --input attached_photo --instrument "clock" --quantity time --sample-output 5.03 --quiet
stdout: 8.26
